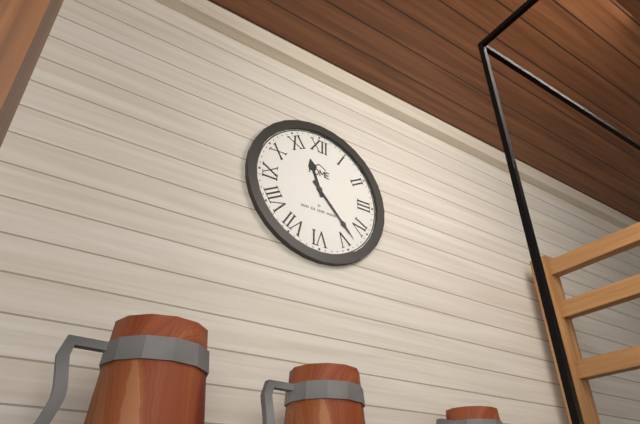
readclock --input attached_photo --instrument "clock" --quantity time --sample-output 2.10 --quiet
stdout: 11.23
